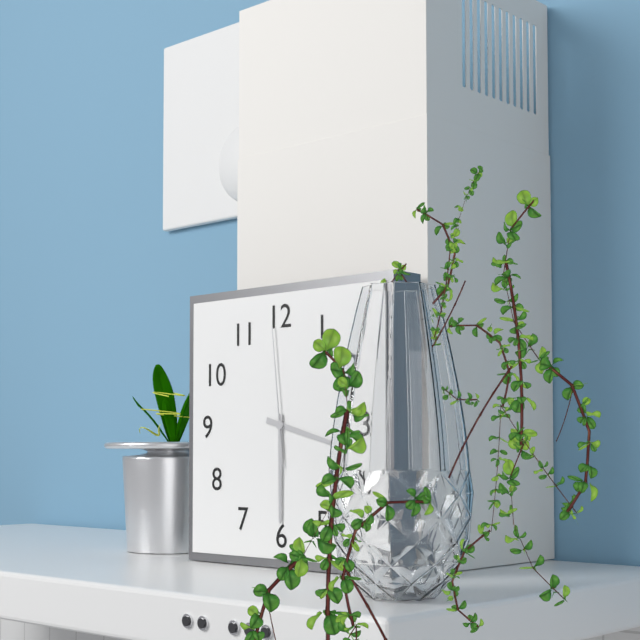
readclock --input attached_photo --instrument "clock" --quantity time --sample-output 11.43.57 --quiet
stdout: 3.30.59
